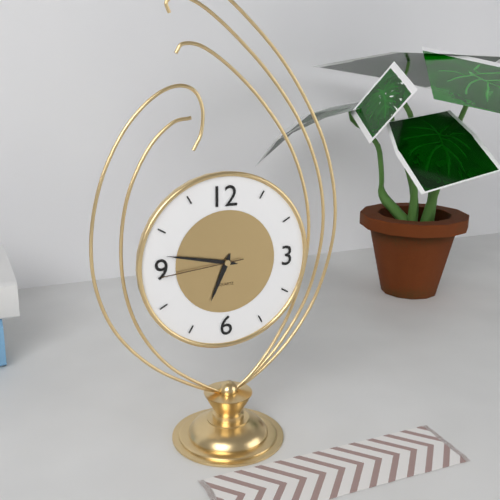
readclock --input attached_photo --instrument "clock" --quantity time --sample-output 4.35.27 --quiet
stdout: 6.47.44
